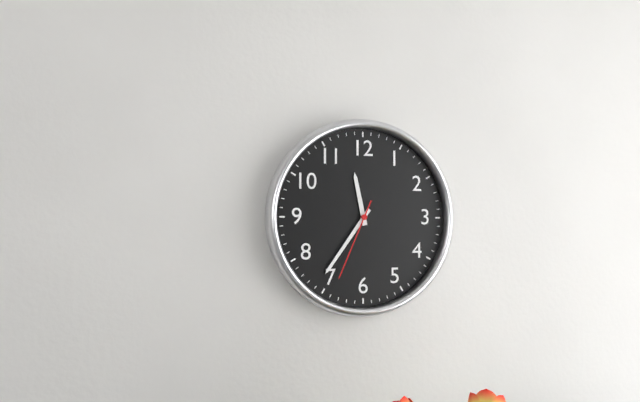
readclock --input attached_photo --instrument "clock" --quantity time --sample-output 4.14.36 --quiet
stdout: 11.36.34
